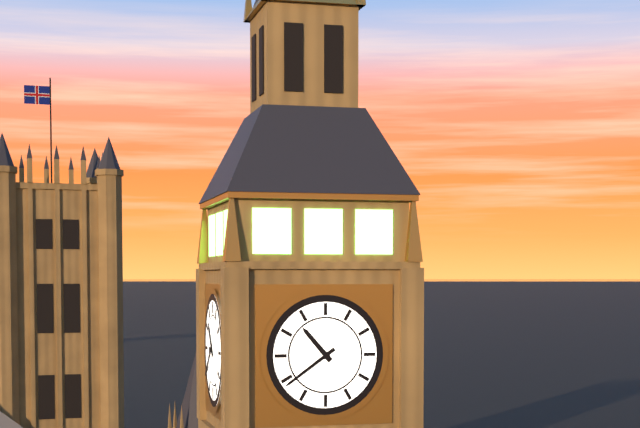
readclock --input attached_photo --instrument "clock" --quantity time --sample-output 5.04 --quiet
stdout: 10.39
